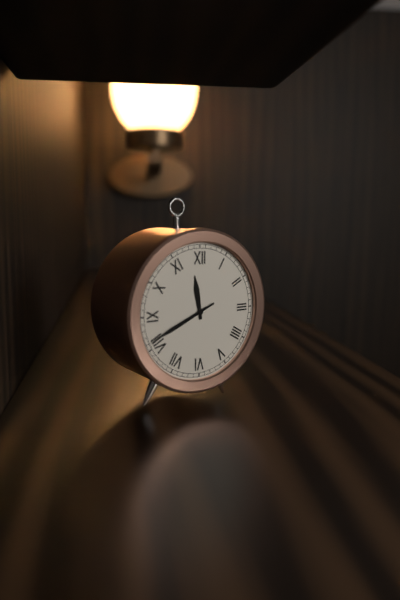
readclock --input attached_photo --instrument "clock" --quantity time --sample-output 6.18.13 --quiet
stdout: 11.41.41
